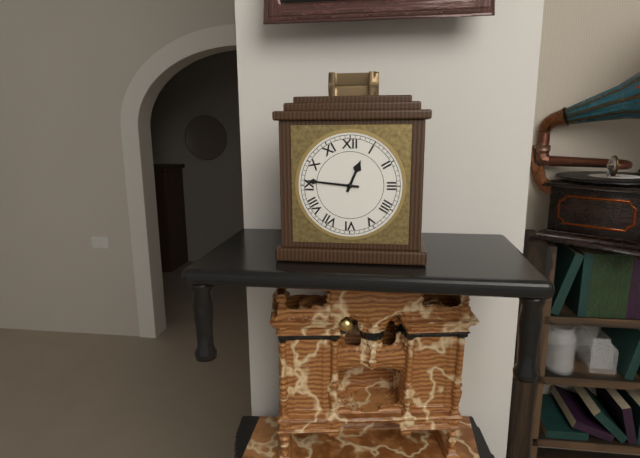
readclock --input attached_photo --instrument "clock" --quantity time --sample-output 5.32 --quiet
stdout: 12.46
